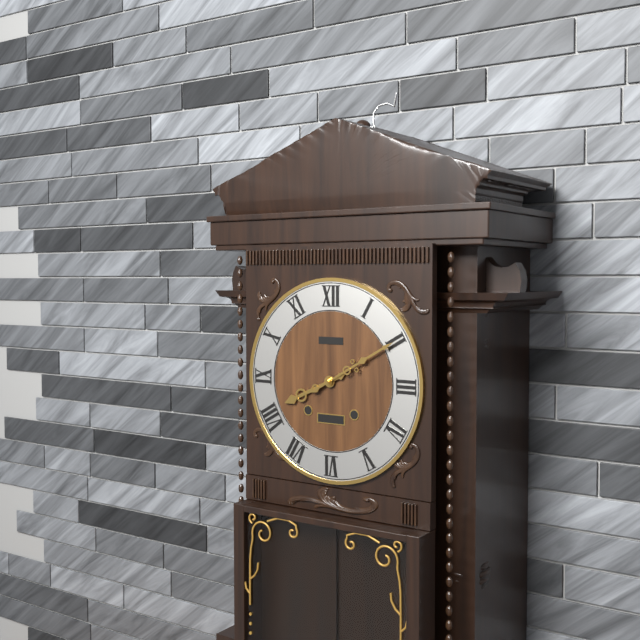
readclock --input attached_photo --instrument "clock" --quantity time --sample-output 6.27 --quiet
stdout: 8.10
